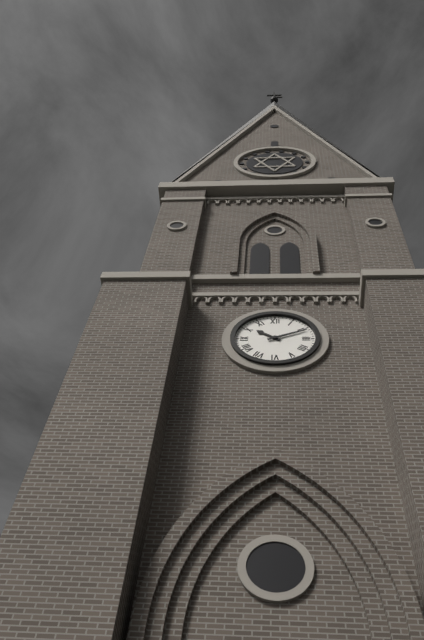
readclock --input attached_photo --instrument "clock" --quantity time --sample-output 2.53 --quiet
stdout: 10.11
